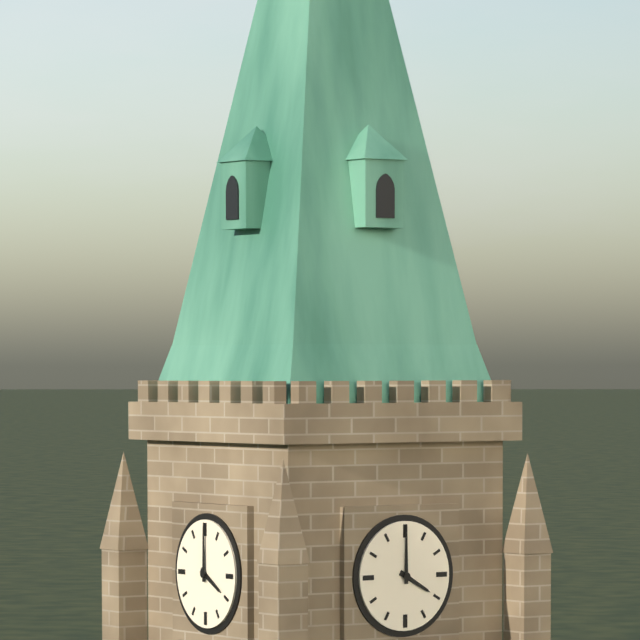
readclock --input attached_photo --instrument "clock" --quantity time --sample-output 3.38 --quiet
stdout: 4.00
